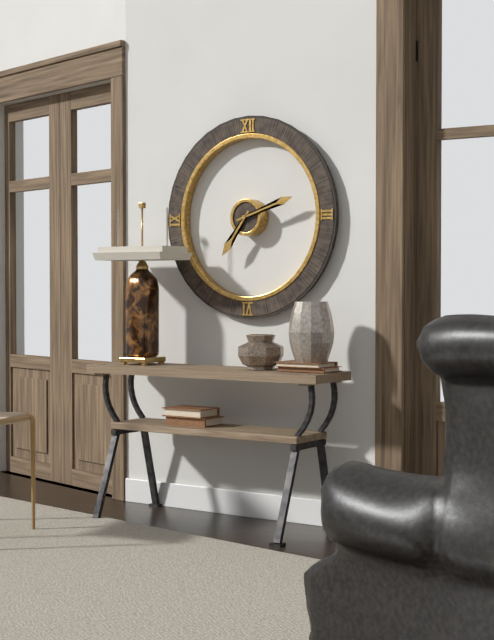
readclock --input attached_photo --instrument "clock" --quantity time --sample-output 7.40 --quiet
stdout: 7.12
